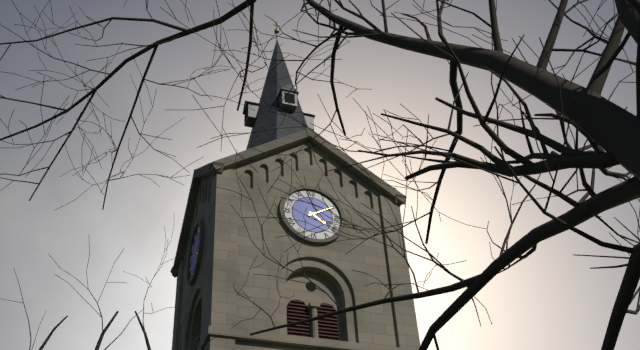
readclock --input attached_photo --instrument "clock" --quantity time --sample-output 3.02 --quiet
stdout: 4.10
